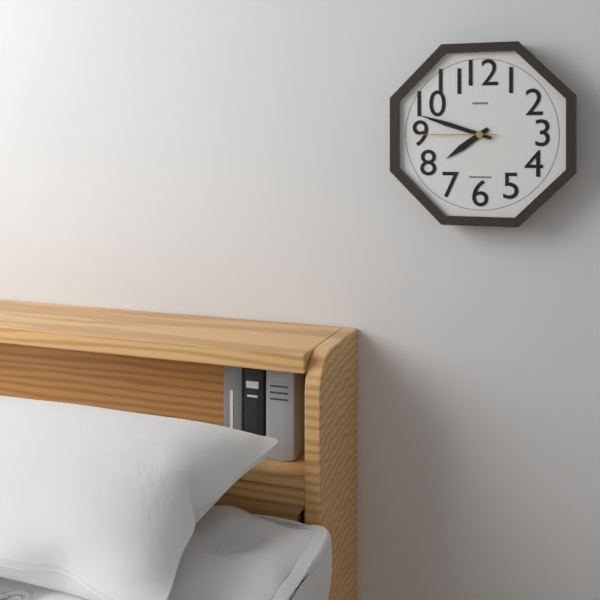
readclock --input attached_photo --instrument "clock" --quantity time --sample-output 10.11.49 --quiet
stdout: 7.48.45
